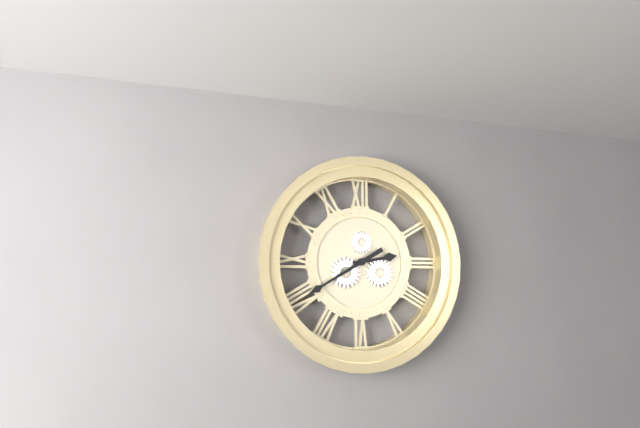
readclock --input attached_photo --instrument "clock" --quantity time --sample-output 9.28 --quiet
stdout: 2.40
